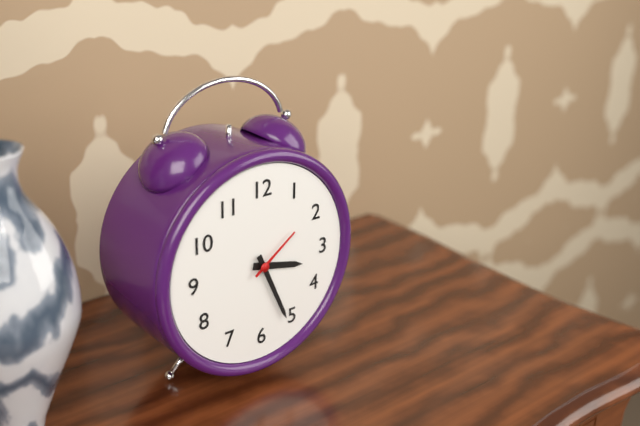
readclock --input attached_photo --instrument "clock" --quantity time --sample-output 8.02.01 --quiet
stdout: 3.26.09
